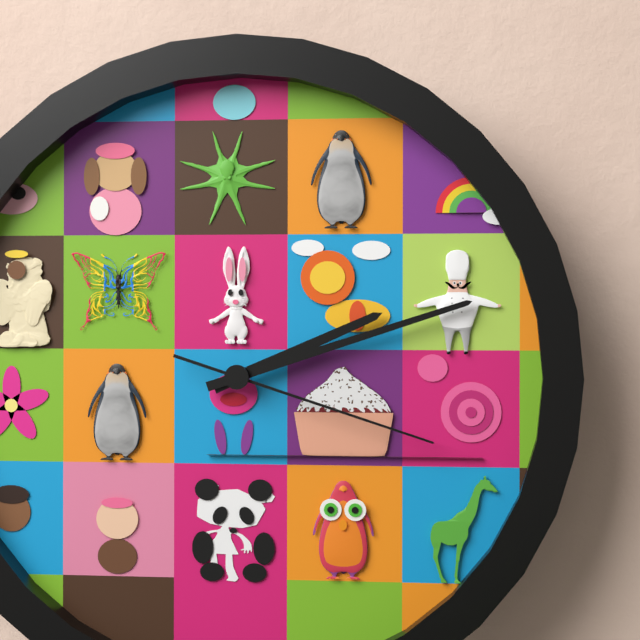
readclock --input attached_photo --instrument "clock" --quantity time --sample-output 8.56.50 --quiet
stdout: 2.12.18
